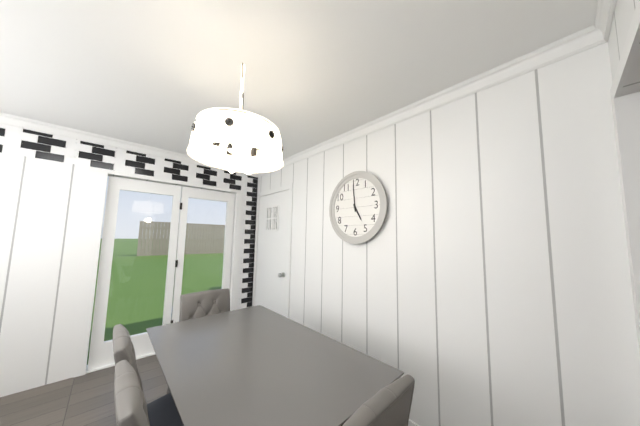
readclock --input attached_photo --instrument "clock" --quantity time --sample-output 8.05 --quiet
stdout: 4.59
